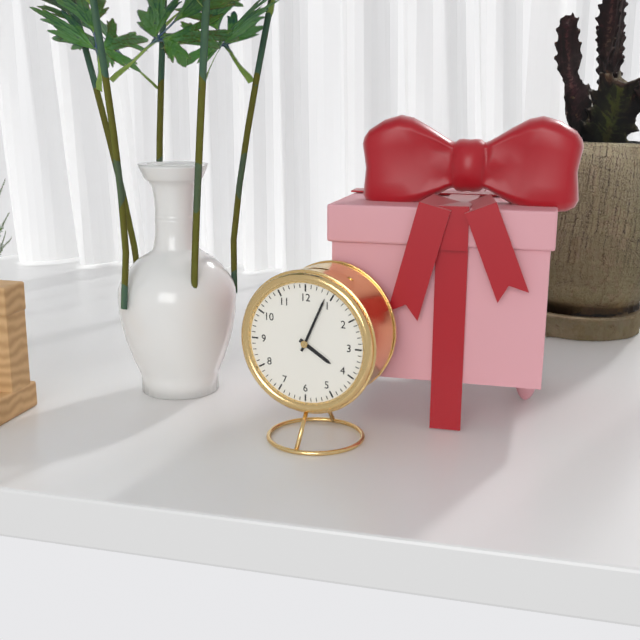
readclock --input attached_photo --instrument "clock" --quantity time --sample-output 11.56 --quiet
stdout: 4.04
